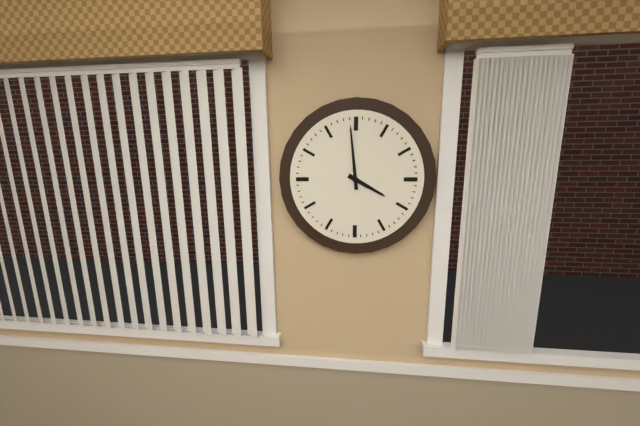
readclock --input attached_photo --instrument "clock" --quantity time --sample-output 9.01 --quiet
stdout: 3.59
